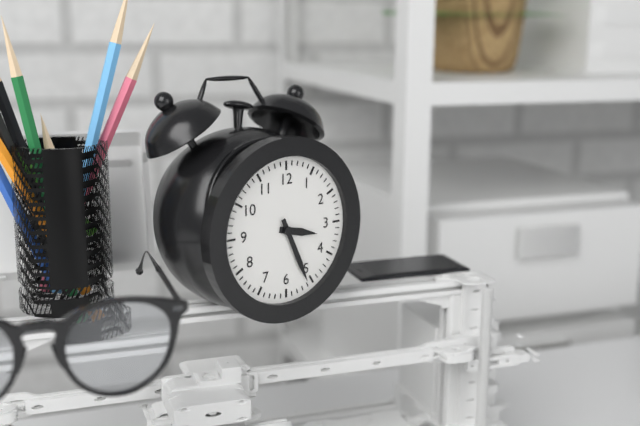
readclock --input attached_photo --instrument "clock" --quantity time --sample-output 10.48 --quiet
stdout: 3.26
